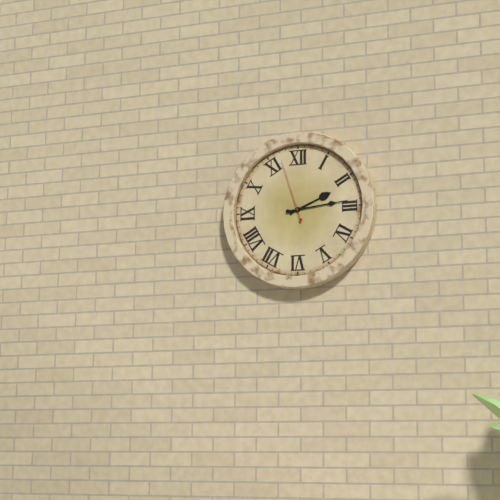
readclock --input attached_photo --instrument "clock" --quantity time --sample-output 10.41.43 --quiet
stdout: 2.14.57
